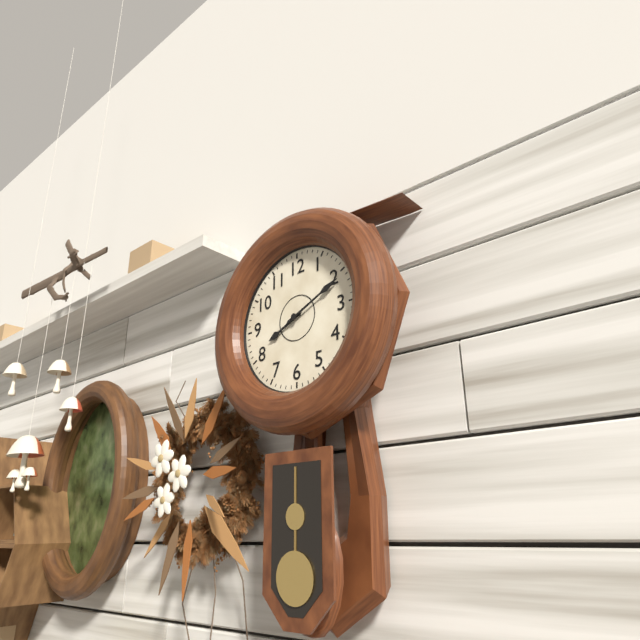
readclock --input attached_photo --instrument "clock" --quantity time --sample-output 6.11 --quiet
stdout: 8.11
